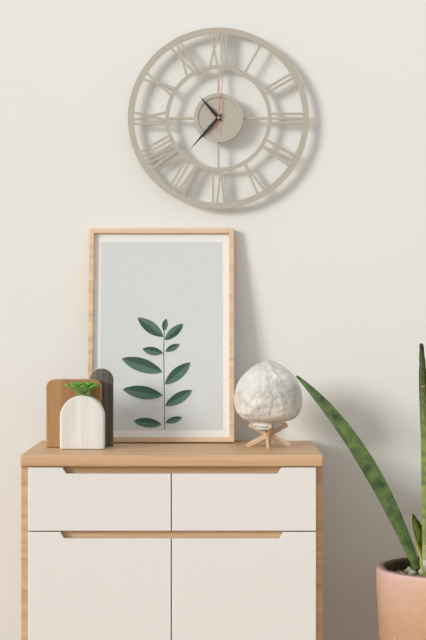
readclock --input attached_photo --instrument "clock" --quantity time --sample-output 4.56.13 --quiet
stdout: 10.37.01
